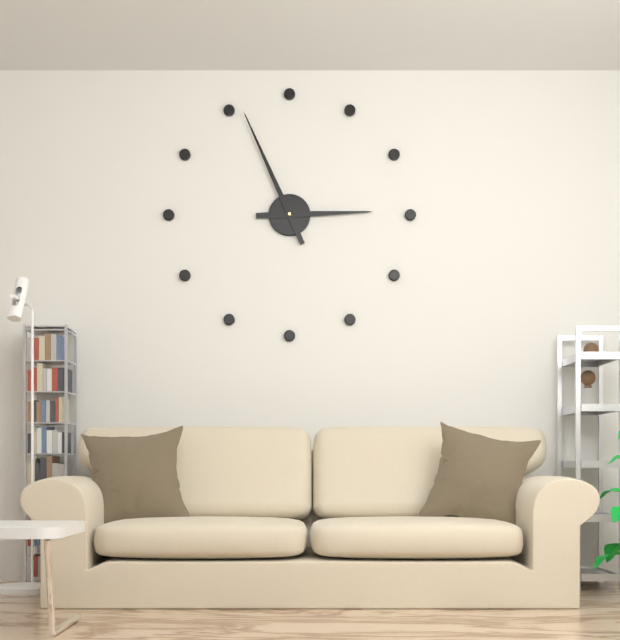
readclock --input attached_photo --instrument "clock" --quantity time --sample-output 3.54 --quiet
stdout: 2.56
